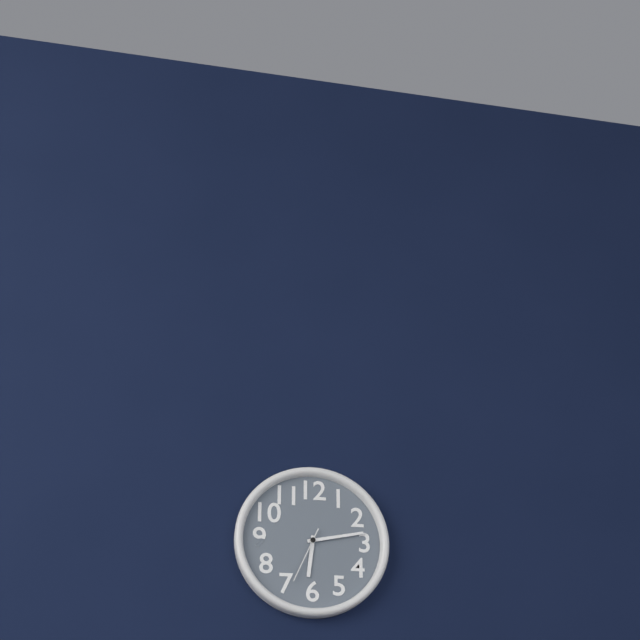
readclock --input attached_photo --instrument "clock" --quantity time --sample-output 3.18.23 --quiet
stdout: 6.13.34
